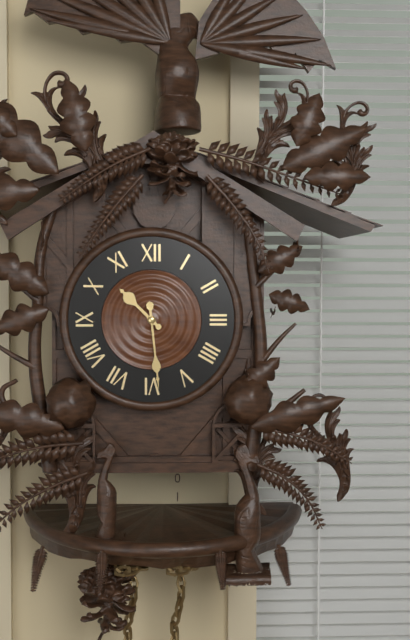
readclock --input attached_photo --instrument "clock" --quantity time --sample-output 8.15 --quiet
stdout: 10.29
